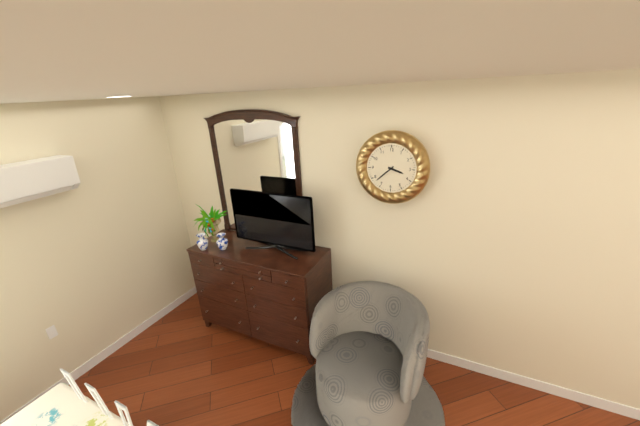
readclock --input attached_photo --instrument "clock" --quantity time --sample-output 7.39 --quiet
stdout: 3.38
